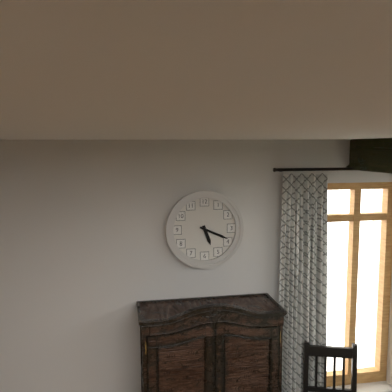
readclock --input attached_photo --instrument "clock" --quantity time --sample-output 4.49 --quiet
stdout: 5.19
